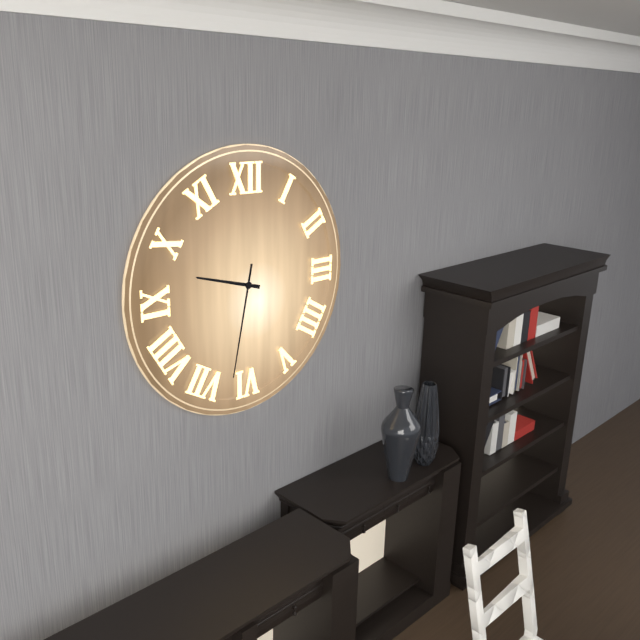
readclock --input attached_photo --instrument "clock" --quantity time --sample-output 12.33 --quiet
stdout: 9.32
